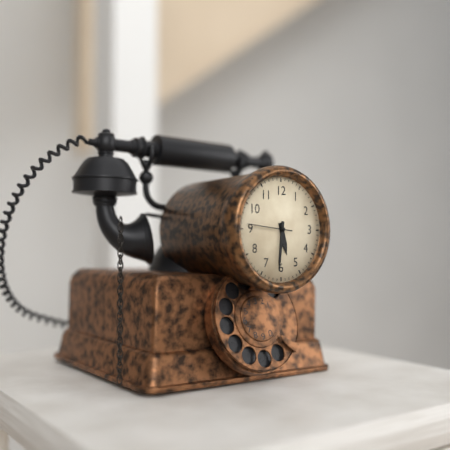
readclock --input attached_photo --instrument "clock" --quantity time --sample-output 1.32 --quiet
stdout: 5.31
